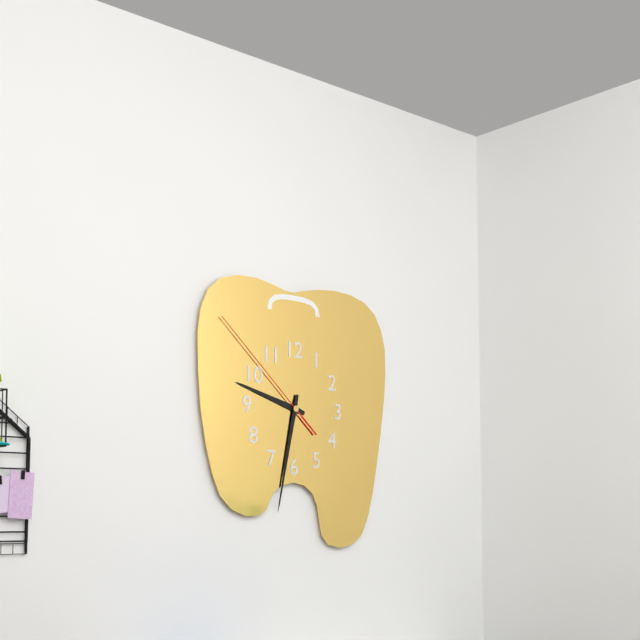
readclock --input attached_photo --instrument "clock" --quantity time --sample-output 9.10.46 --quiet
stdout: 9.32.52
